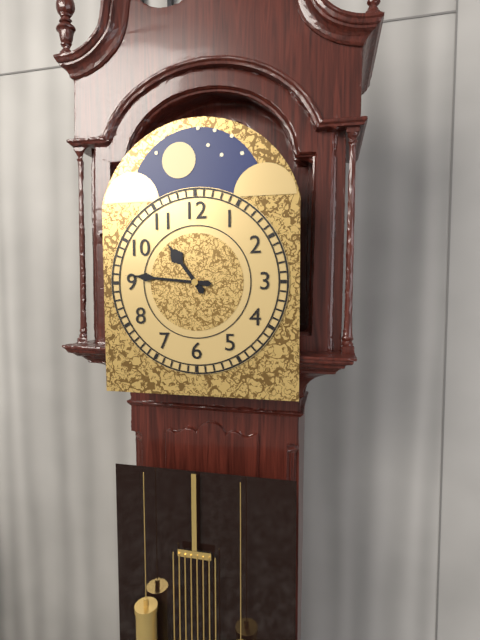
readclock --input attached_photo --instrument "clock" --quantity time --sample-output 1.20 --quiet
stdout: 10.46
